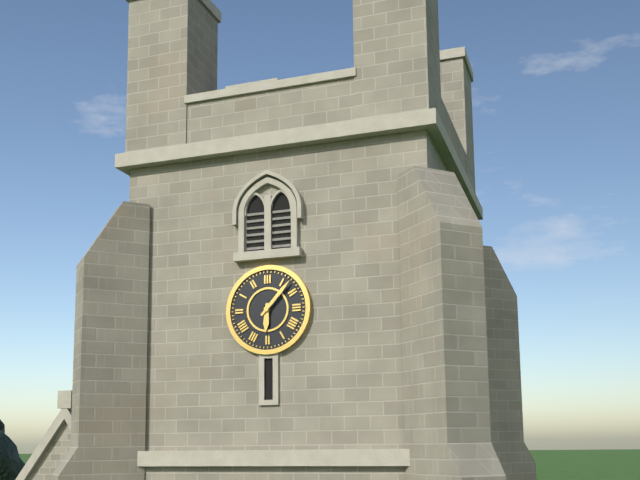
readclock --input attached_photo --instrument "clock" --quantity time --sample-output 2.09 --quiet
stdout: 6.07
